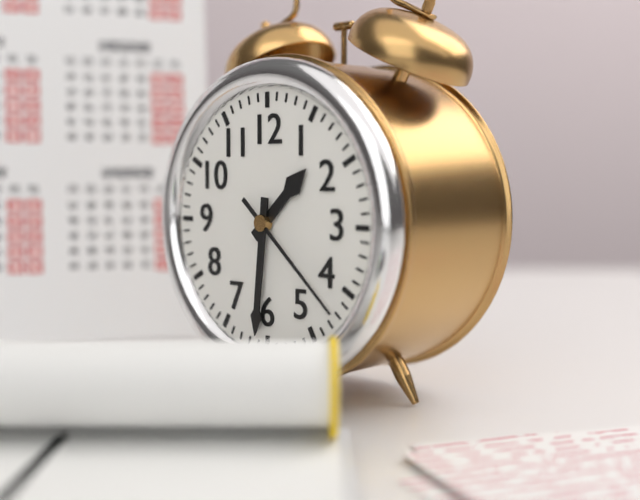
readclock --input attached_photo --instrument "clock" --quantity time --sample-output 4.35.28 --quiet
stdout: 1.31.22
